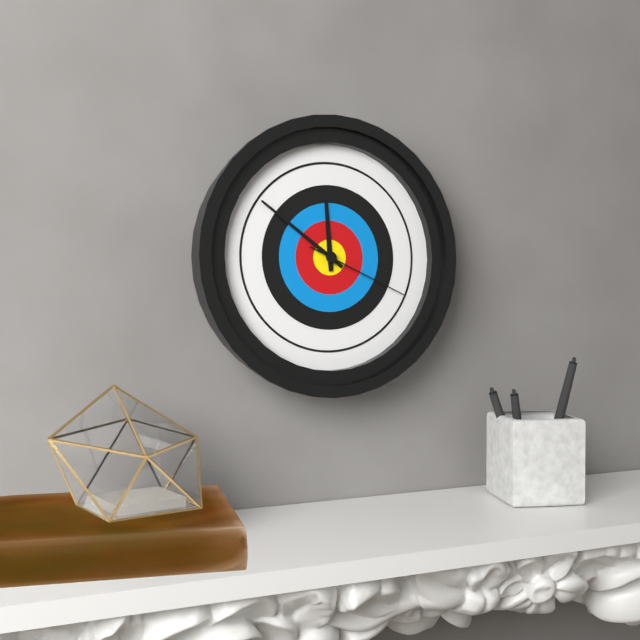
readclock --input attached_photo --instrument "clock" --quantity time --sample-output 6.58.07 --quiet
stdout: 11.51.19
